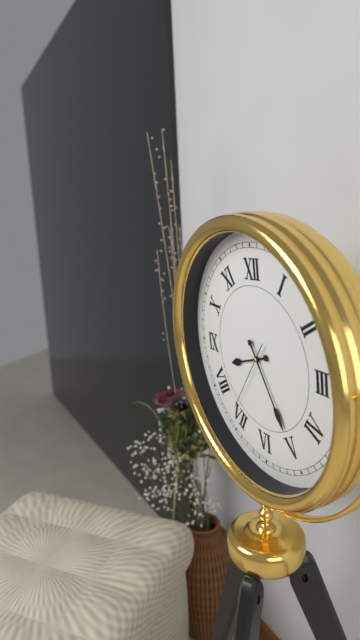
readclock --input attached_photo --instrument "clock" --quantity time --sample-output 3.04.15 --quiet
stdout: 8.25.36
